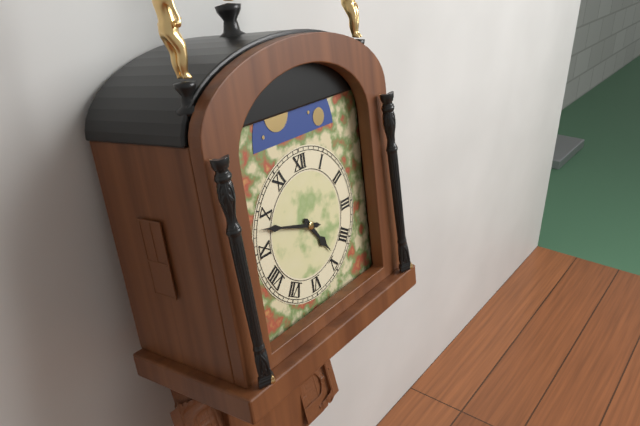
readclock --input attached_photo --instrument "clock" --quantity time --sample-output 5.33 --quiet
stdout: 4.48
